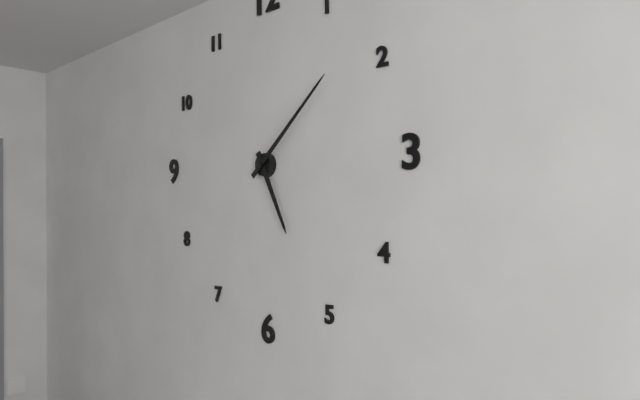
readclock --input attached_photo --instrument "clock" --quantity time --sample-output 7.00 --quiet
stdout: 5.08
